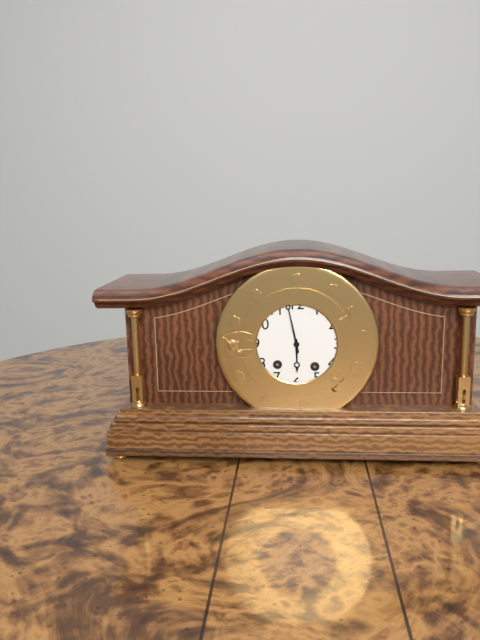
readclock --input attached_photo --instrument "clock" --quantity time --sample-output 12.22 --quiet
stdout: 5.58
